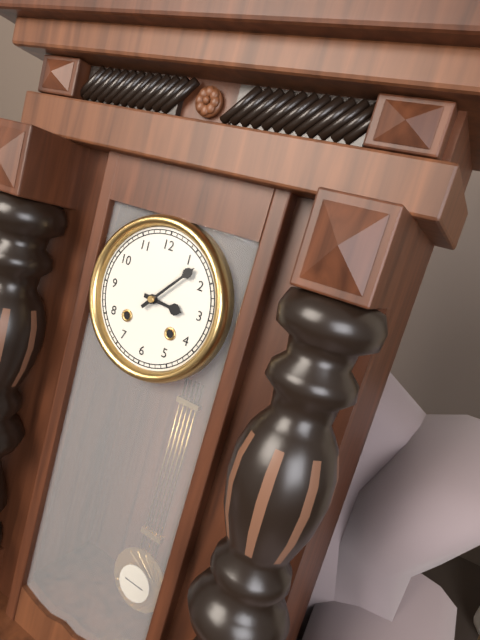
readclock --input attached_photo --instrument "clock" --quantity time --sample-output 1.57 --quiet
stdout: 3.07
